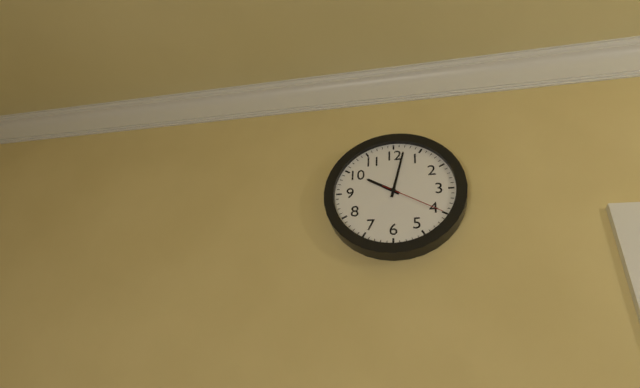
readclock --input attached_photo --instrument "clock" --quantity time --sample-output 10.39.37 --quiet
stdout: 10.02.20
